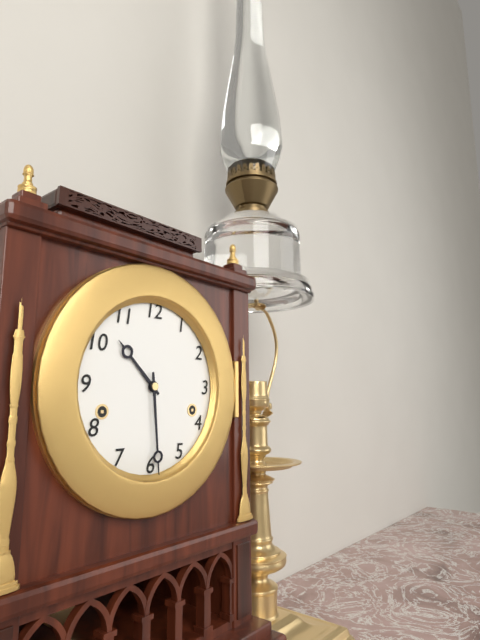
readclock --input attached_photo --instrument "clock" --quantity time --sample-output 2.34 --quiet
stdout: 10.29
